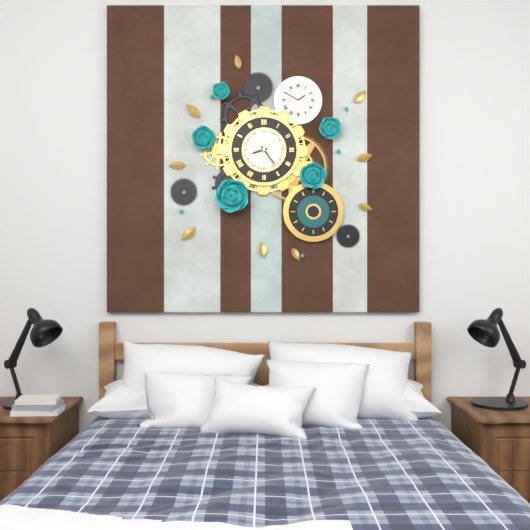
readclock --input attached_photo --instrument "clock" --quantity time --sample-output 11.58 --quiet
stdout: 8.24
